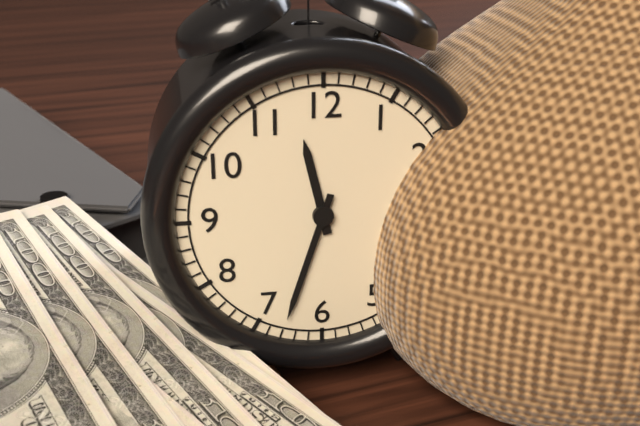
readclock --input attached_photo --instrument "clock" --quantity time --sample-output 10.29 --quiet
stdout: 11.33
